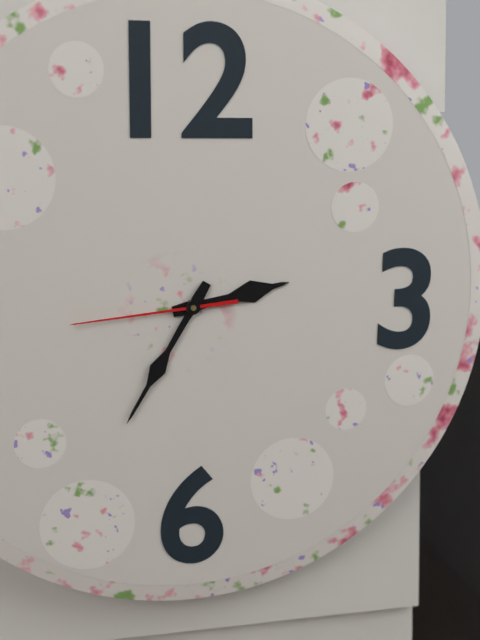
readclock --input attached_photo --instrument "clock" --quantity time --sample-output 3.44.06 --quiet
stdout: 2.35.44
